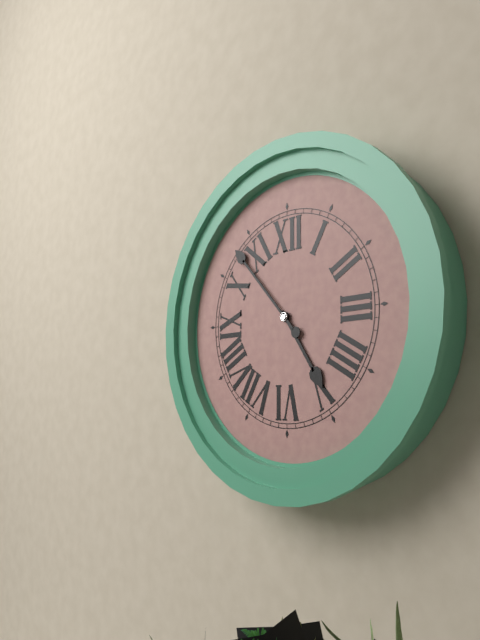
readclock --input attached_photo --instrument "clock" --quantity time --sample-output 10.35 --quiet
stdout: 4.53
